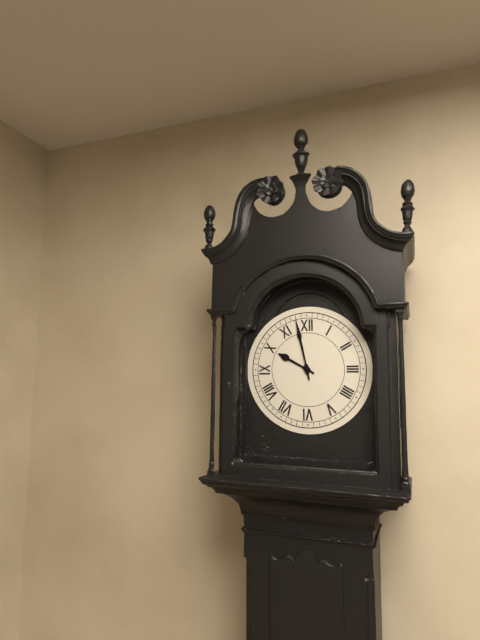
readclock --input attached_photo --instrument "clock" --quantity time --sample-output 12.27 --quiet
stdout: 9.58
